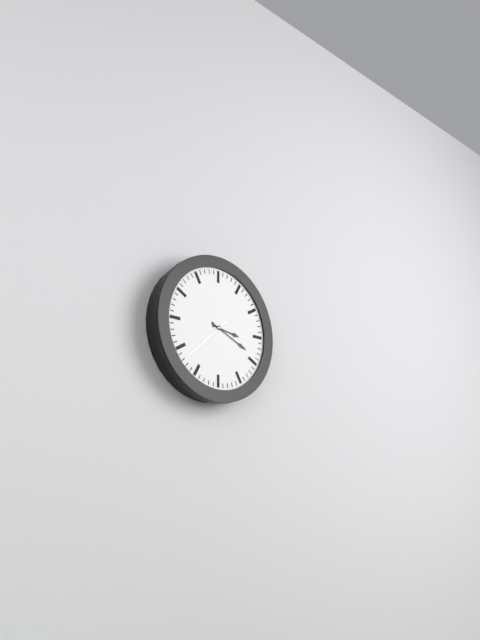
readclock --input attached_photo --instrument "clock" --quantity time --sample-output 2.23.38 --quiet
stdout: 3.19.38
